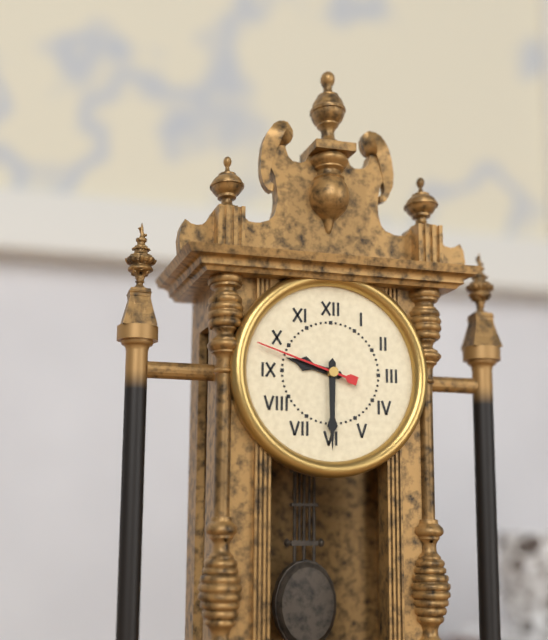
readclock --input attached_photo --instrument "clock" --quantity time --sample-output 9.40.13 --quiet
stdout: 9.30.48
